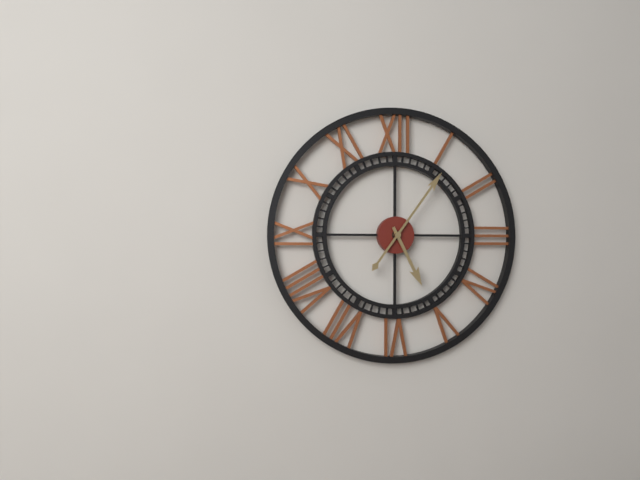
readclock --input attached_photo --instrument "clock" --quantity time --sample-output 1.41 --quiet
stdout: 5.06
